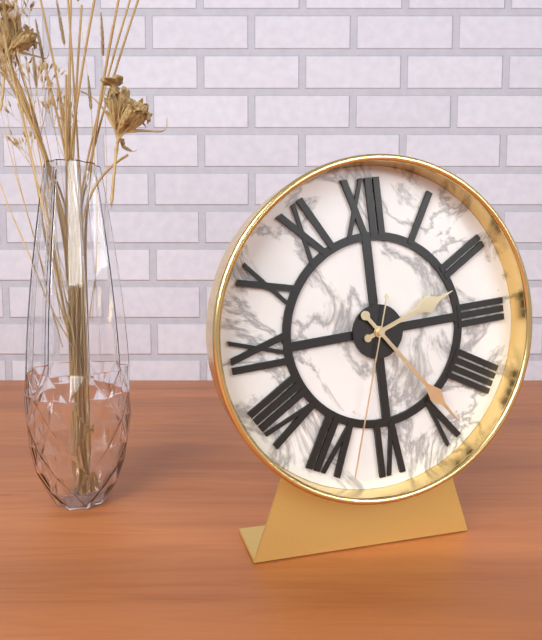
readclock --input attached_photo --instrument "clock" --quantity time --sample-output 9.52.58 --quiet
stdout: 2.24.33
